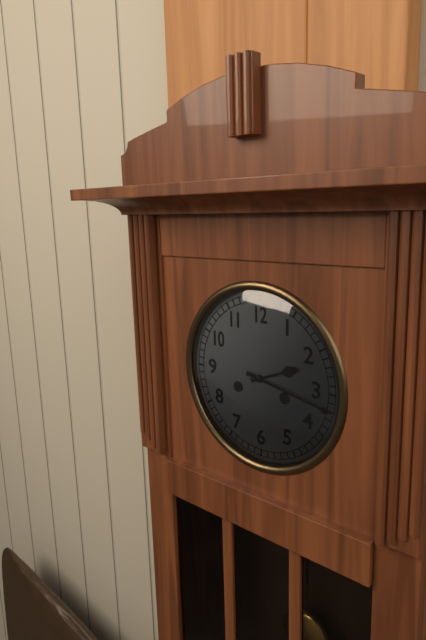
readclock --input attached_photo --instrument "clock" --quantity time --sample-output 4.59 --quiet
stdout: 2.17
